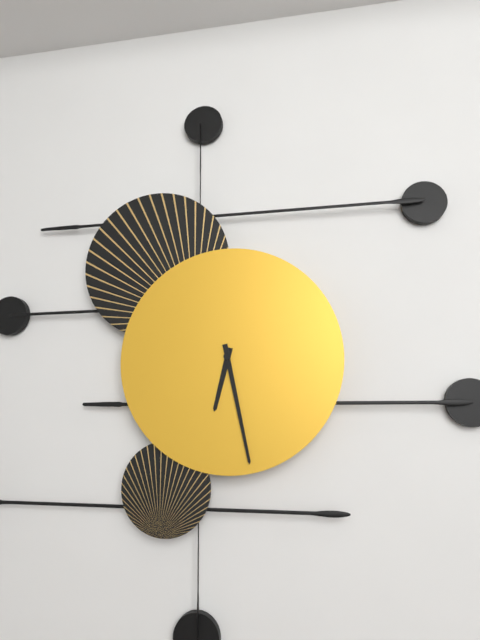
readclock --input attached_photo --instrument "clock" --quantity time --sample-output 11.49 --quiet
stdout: 6.28
